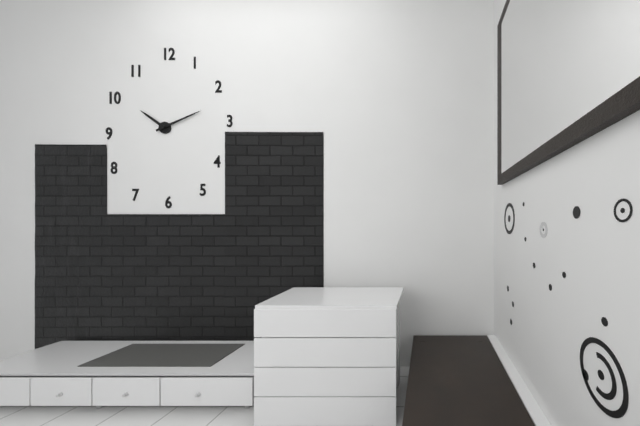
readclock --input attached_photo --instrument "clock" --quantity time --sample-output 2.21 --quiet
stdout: 10.11
